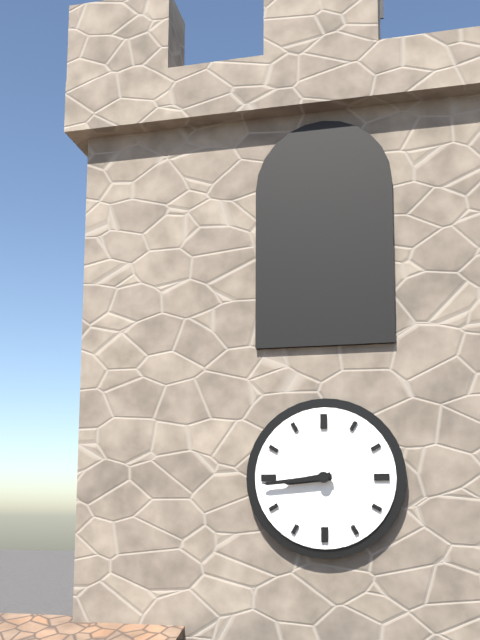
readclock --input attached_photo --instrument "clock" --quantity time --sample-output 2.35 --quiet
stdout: 8.44
